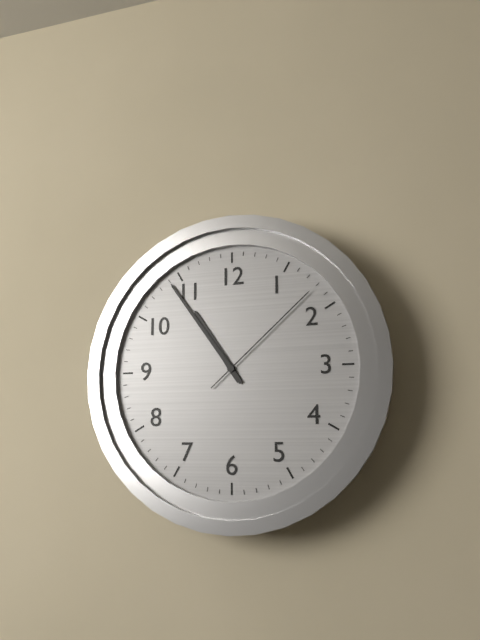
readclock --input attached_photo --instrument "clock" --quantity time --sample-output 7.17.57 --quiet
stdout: 10.54.08
